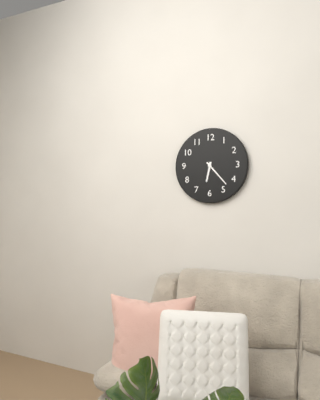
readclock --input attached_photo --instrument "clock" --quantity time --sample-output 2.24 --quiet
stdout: 6.23
